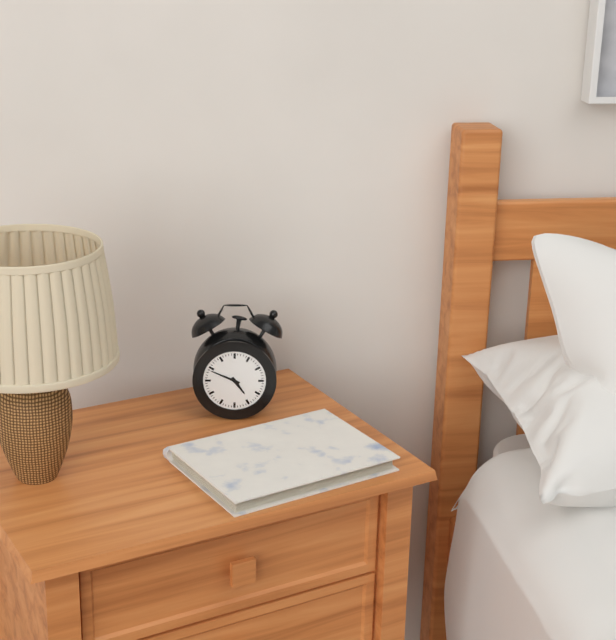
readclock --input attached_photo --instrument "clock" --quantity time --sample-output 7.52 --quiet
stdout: 4.49
